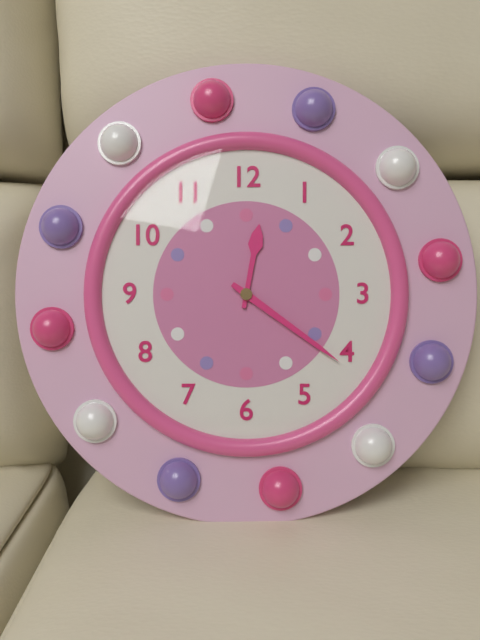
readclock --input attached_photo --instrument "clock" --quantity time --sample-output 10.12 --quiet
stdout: 12.21
